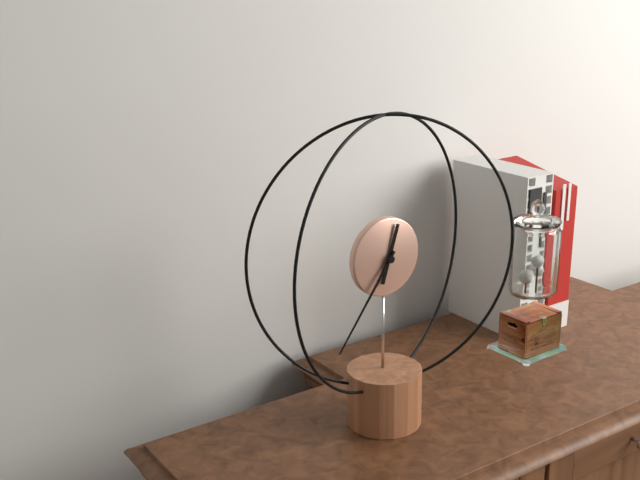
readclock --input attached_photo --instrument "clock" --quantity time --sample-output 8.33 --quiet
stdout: 12.36
